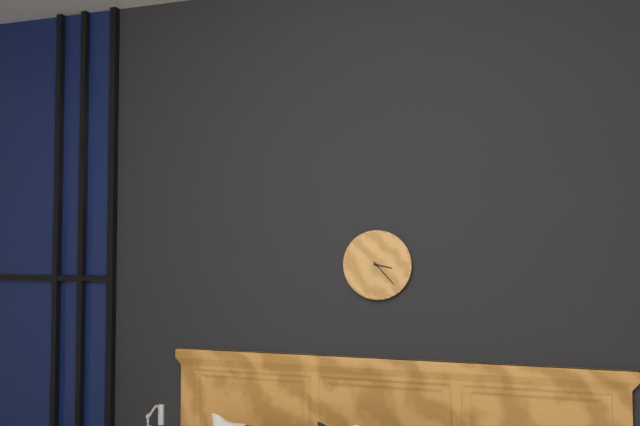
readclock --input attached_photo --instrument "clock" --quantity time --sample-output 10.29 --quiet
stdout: 3.23
